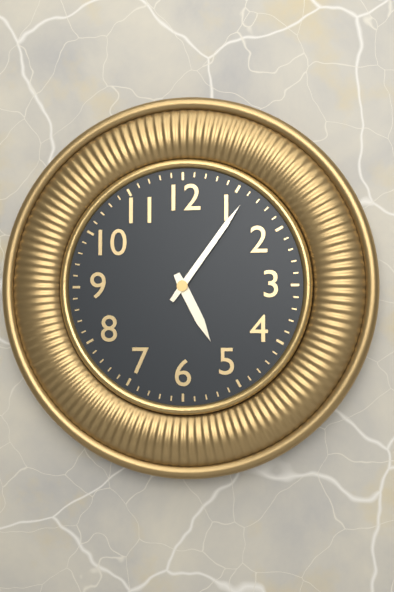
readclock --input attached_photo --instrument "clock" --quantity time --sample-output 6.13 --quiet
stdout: 5.06
